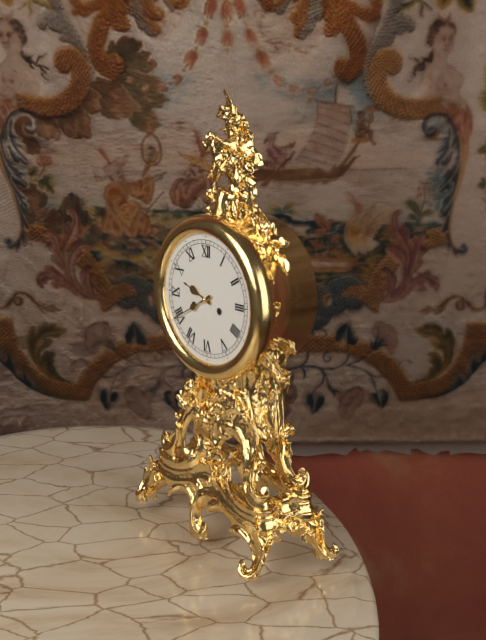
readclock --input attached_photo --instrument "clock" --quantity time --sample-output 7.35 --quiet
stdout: 9.40
